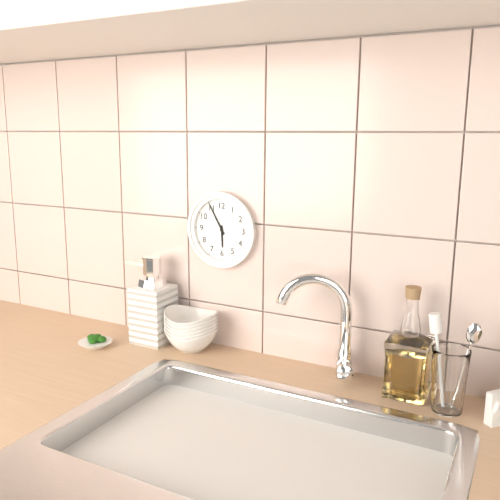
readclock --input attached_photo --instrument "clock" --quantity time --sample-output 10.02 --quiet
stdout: 5.55
